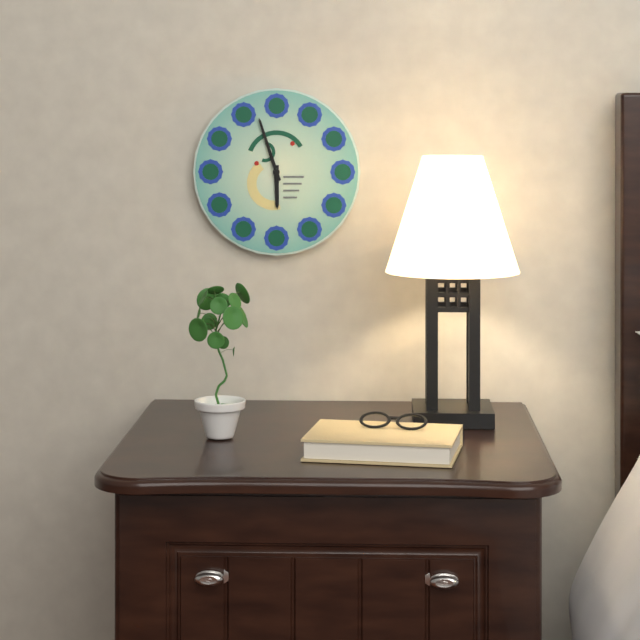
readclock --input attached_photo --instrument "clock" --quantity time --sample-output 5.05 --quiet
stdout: 5.57
